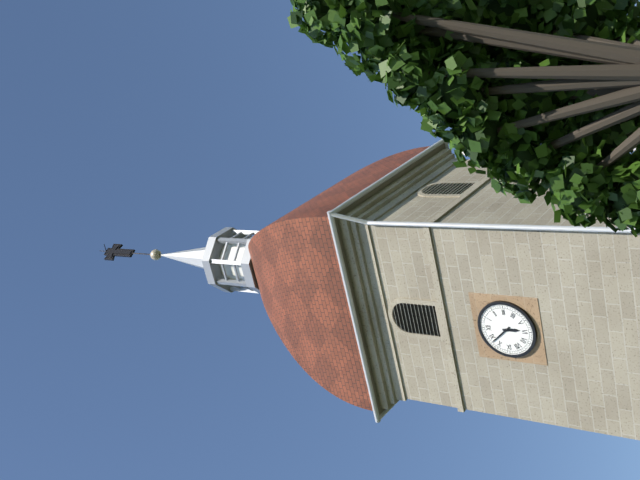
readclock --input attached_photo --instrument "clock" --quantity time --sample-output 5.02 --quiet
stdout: 5.53
